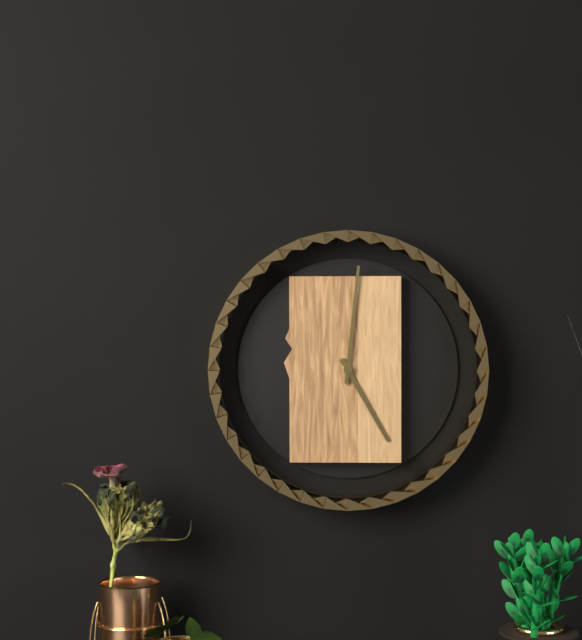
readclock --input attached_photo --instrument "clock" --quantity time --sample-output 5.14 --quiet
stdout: 5.01
